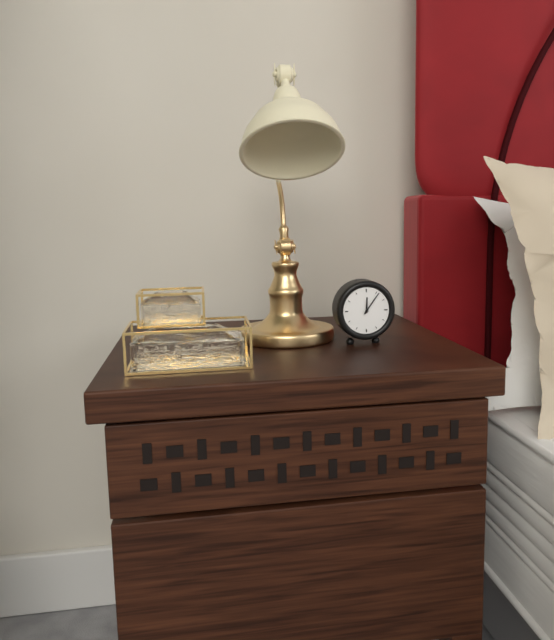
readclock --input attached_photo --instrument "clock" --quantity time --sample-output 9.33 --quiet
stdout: 12.06
